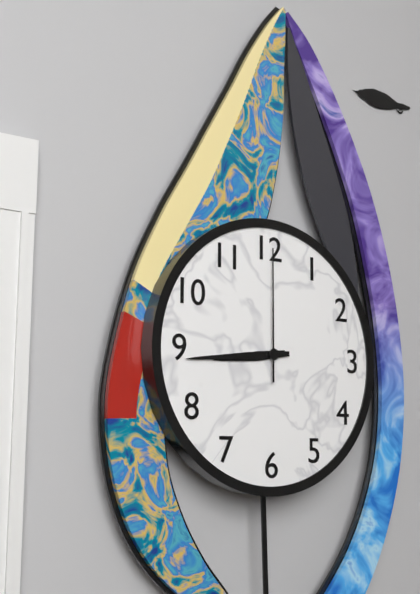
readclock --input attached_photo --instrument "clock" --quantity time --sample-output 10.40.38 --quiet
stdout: 8.44.00
